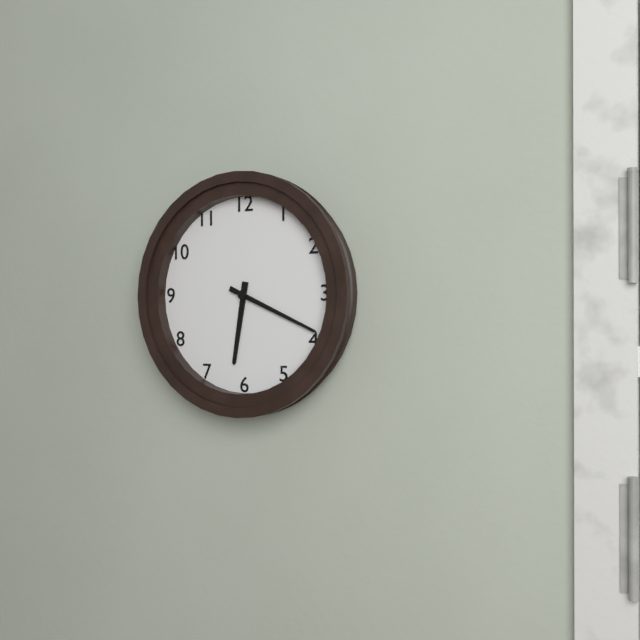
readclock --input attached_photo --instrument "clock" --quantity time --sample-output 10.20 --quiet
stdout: 6.19
